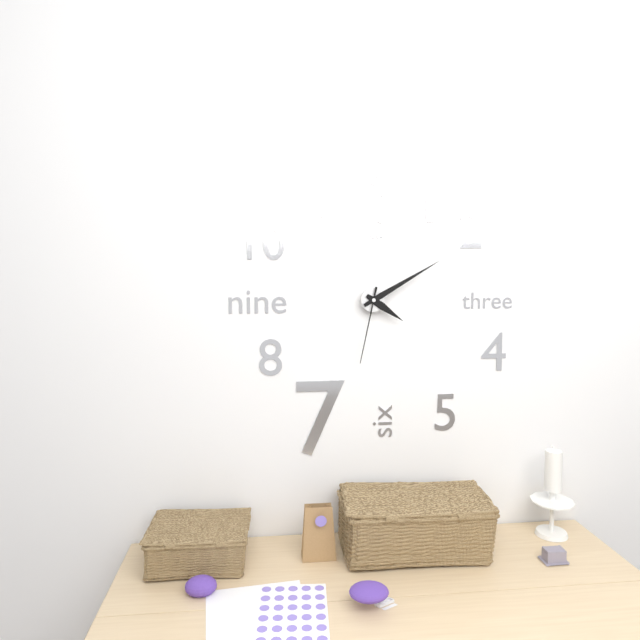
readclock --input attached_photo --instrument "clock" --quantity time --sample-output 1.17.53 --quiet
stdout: 4.10.32
